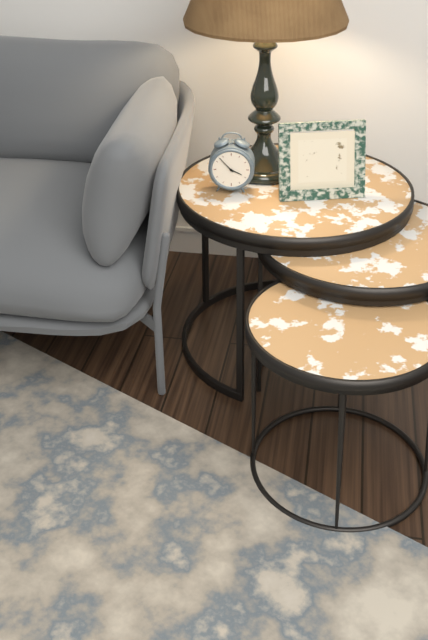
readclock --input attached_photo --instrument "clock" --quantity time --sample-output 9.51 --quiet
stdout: 3.53
